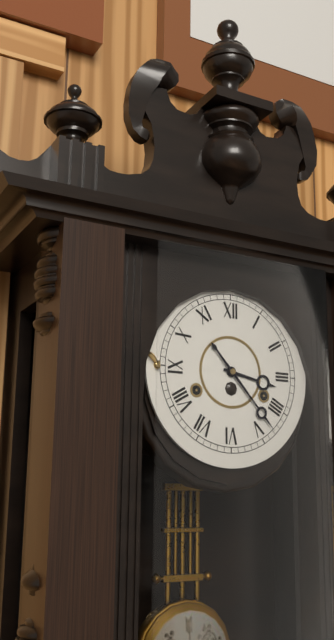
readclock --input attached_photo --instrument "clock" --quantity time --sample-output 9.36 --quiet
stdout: 3.23
